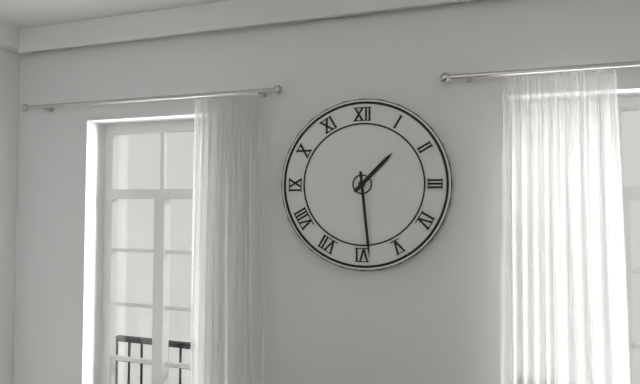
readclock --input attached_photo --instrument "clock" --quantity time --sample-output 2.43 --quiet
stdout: 1.29
